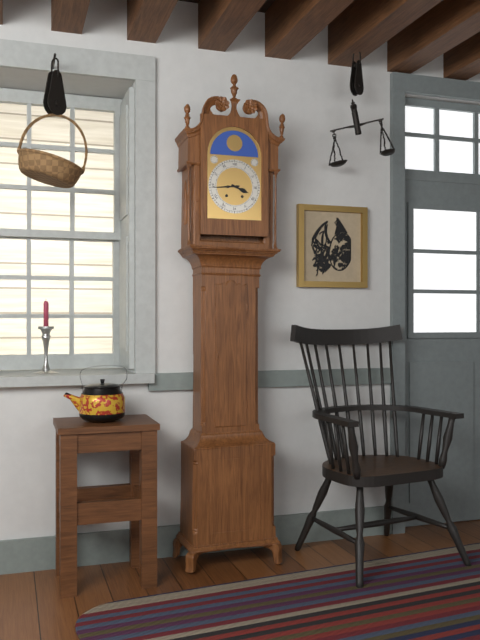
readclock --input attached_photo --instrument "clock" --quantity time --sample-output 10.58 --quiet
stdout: 3.44
